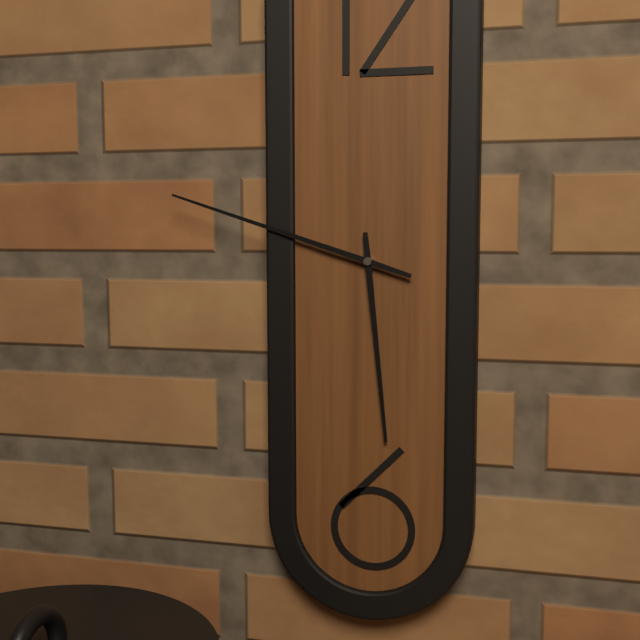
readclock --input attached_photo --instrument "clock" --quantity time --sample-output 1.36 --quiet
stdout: 5.48
